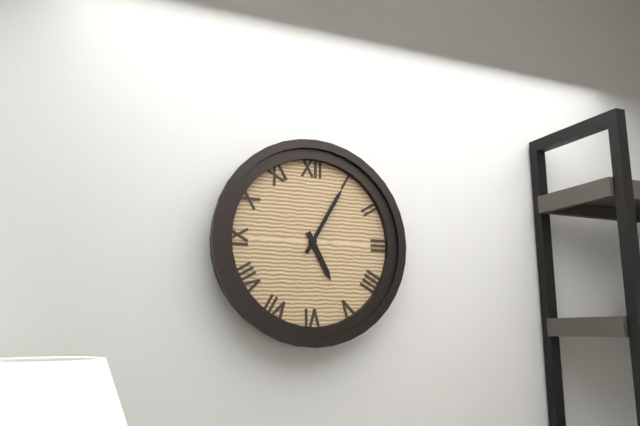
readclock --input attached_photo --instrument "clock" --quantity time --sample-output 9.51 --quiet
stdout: 5.05
